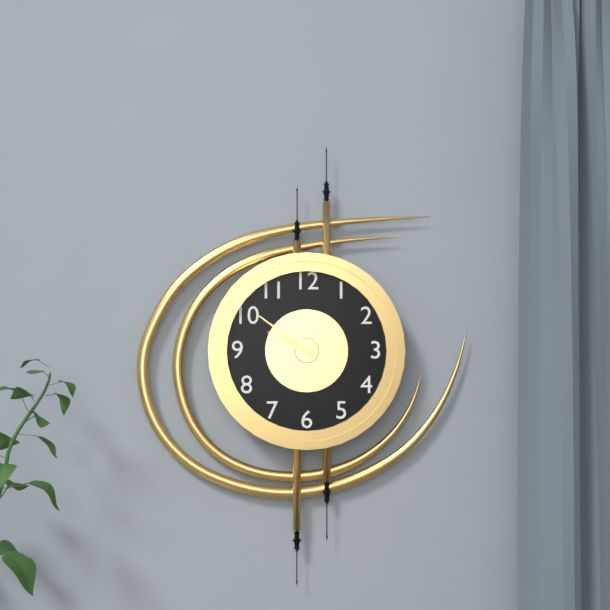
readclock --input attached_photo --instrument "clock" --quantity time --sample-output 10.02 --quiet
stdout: 9.51
